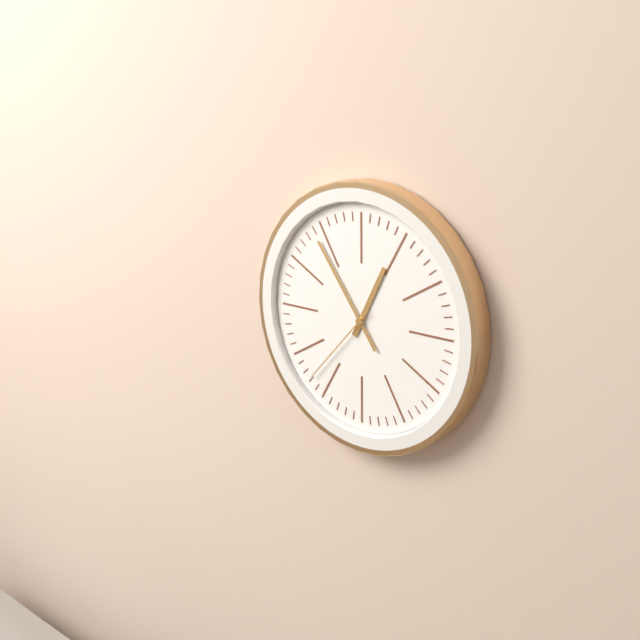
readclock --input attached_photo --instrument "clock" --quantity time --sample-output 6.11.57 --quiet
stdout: 12.54.37
